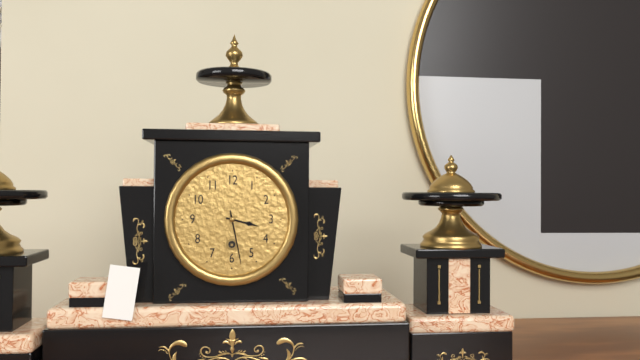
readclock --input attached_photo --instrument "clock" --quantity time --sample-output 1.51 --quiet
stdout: 3.28
